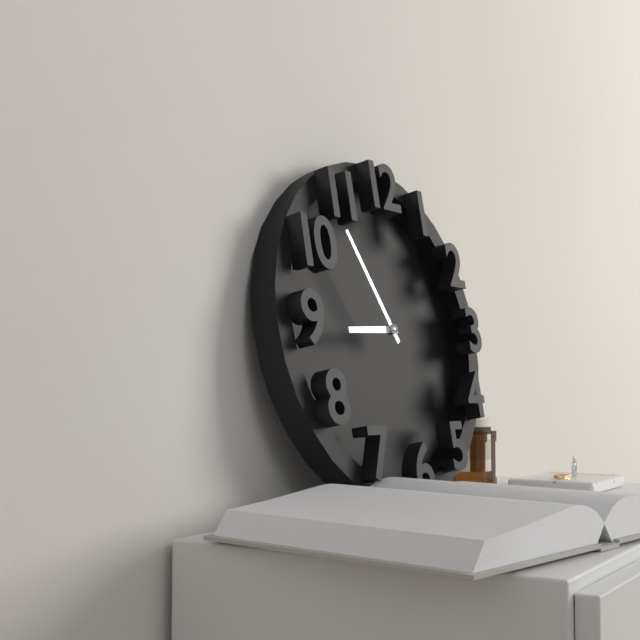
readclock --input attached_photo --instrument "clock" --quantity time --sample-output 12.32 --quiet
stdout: 8.55
